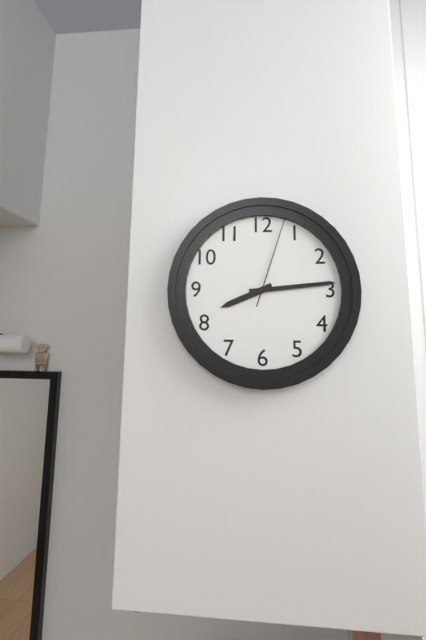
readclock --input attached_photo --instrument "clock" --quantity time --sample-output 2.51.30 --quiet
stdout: 8.14.03
